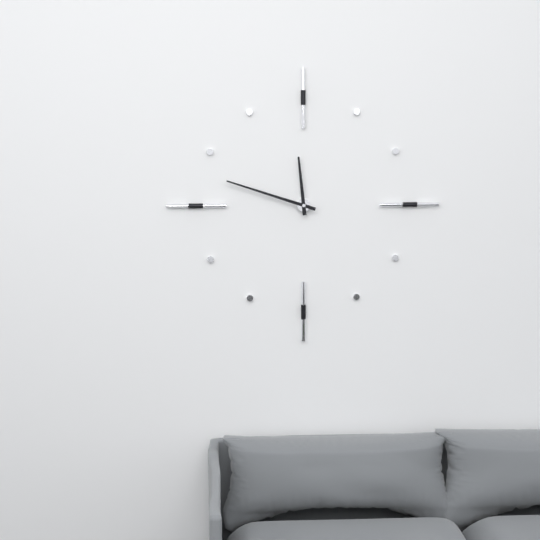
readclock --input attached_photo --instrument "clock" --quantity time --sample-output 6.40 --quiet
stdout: 11.48
